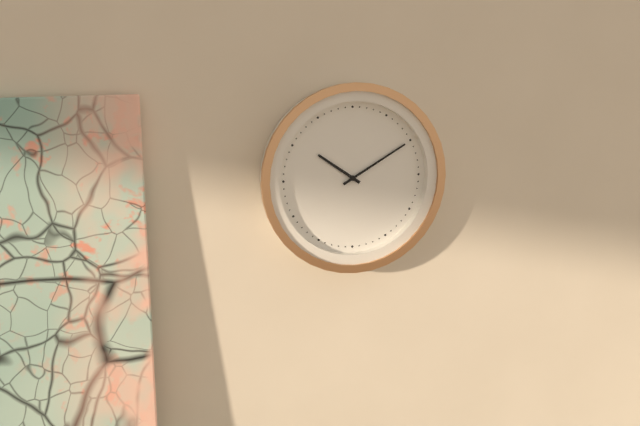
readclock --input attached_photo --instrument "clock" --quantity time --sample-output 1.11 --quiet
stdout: 10.10
